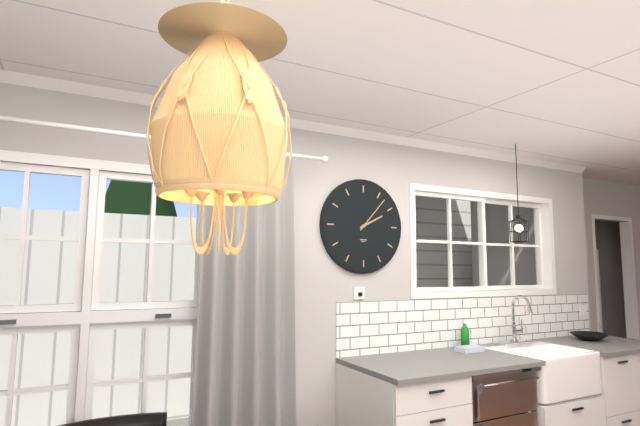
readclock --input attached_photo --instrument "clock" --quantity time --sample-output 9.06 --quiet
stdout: 2.07
